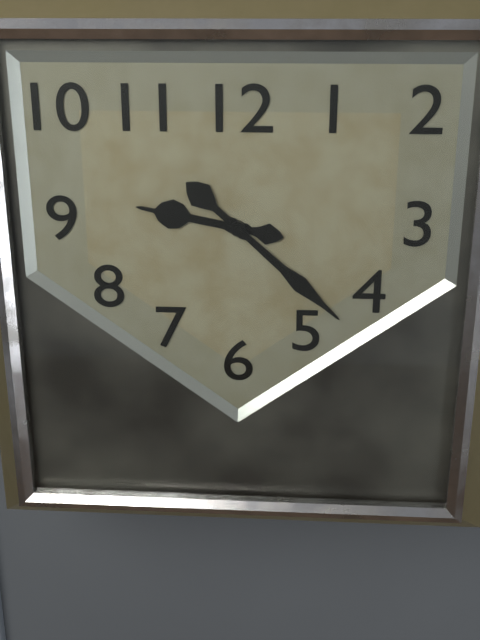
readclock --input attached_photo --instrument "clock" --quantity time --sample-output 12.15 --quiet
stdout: 9.22
